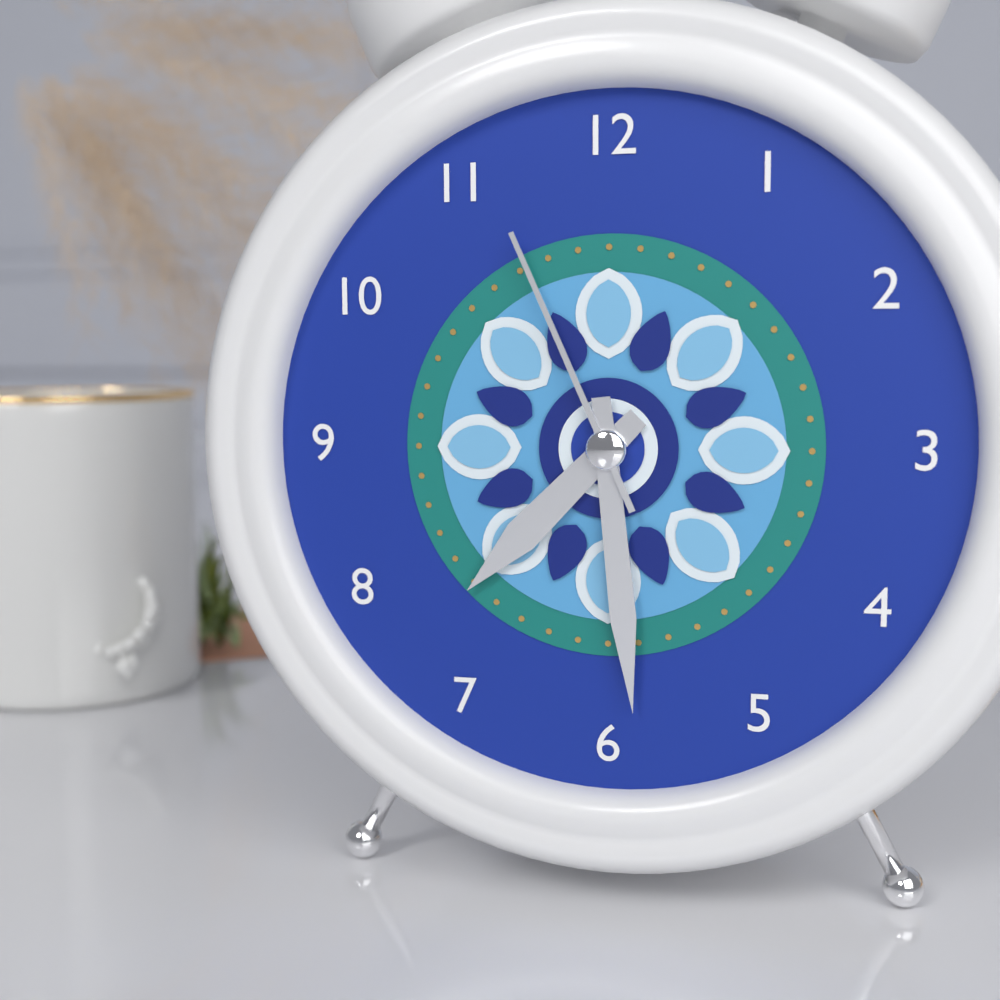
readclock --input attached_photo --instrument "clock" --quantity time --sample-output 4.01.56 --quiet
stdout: 7.29.56
